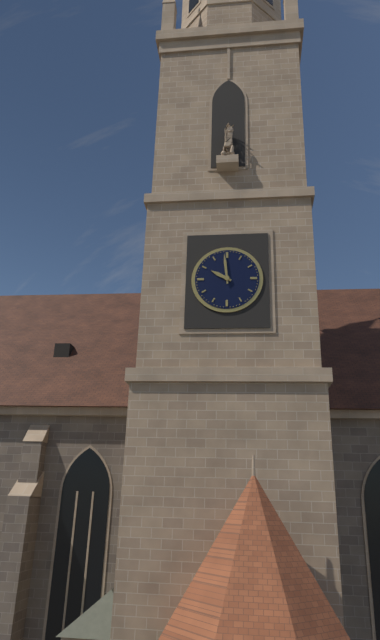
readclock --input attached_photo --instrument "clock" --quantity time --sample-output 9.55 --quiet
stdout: 9.59
